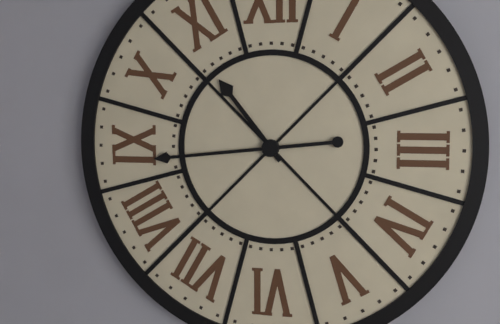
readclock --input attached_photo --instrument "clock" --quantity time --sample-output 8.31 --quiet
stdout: 10.44
